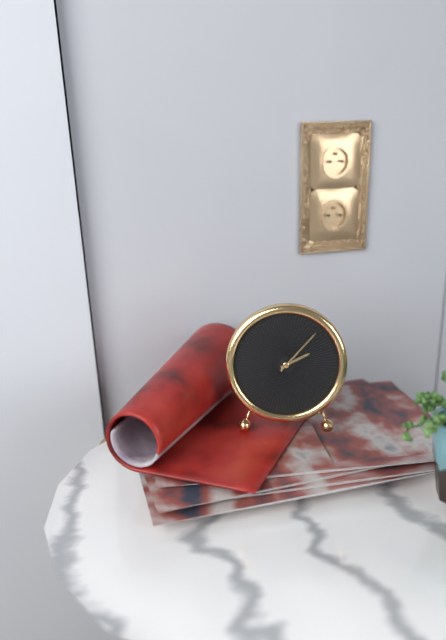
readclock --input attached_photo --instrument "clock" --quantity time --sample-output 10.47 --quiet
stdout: 2.07
